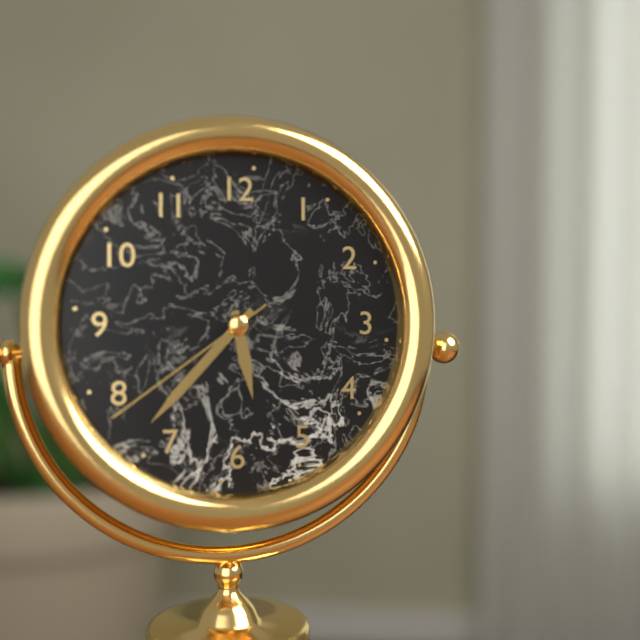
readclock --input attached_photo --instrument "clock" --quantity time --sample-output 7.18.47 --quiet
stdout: 5.37.39
